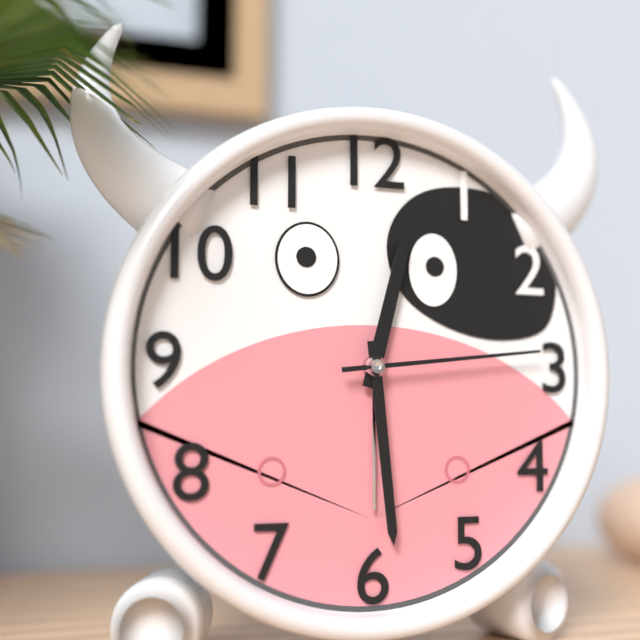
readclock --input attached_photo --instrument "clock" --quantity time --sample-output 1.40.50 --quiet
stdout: 12.29.14
